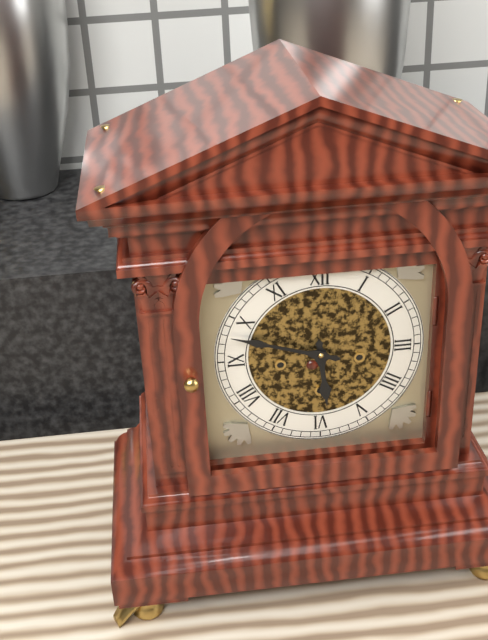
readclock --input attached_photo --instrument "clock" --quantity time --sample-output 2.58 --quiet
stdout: 5.48
